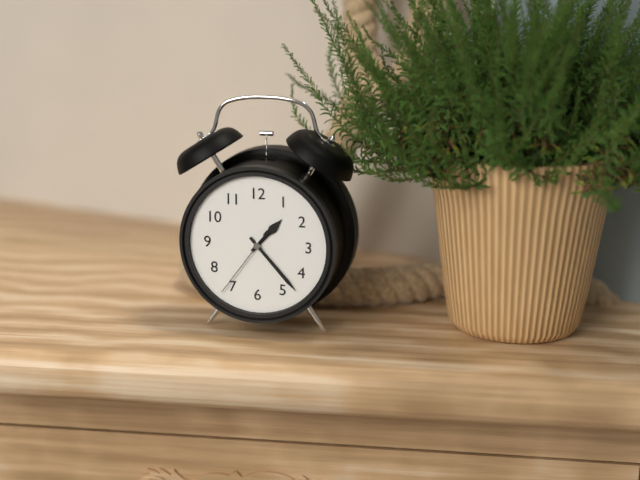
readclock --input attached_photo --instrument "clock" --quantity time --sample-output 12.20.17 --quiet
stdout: 1.23.36
